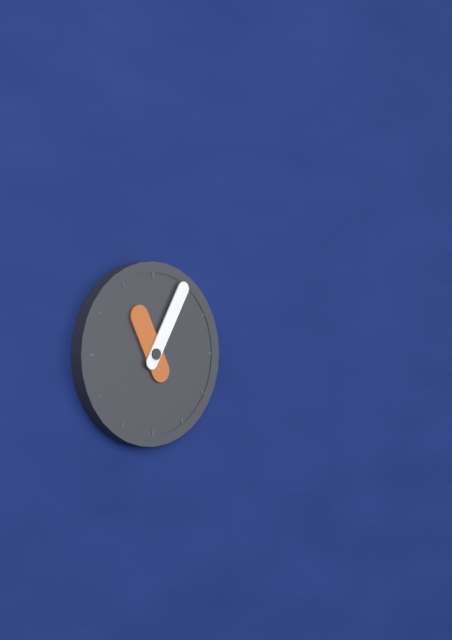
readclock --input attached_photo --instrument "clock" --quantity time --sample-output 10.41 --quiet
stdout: 11.05
